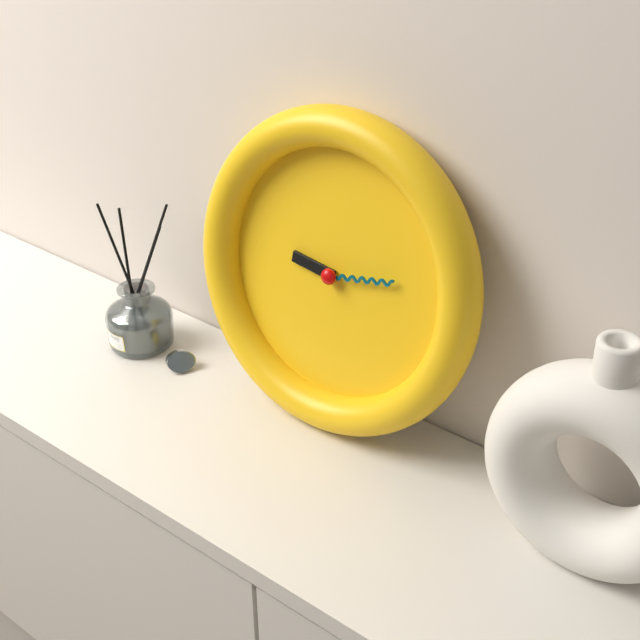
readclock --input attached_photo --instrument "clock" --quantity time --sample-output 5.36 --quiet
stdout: 9.13
